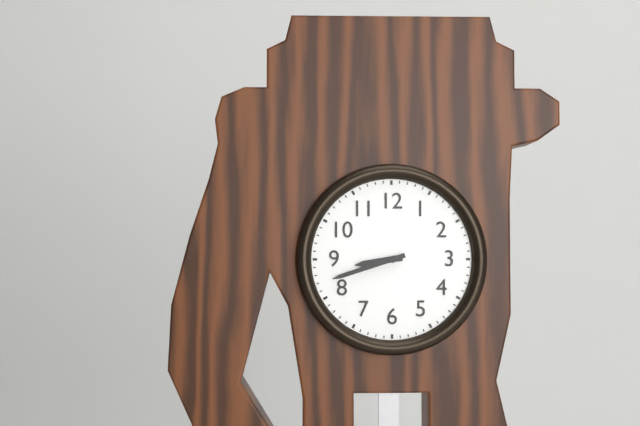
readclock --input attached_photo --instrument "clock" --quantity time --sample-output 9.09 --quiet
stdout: 8.42
